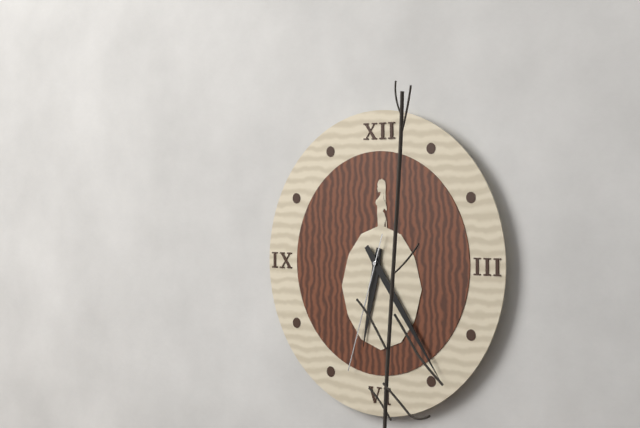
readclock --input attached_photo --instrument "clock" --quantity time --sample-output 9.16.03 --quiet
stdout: 6.24.33
